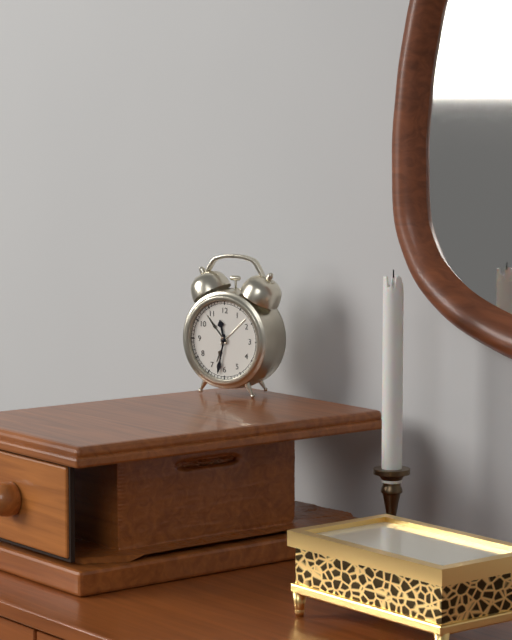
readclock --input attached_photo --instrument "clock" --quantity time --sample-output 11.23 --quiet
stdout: 11.32
